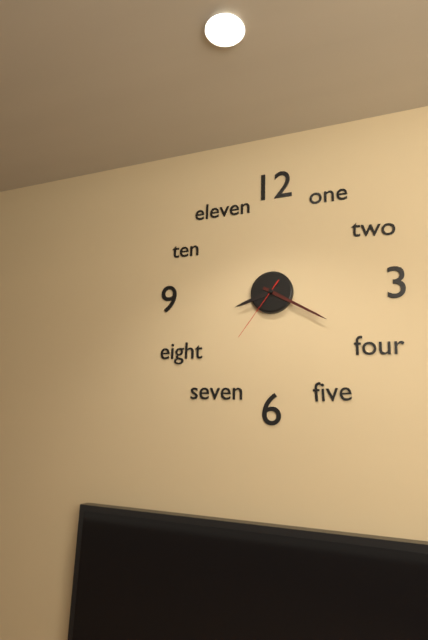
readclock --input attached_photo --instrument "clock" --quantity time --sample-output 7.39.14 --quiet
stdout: 8.20.36
